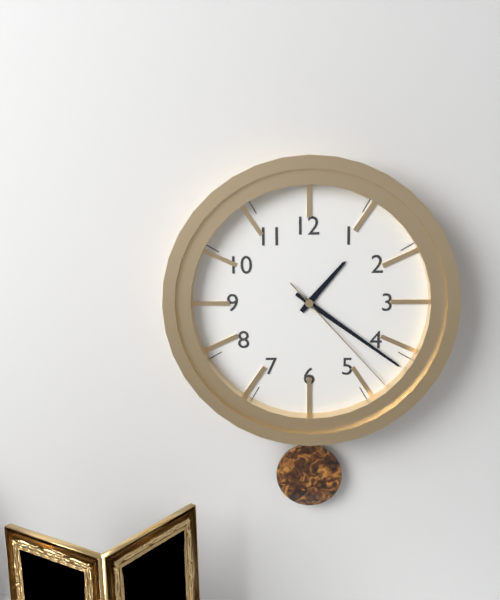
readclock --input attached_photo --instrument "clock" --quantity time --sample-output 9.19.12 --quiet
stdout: 1.21.23
